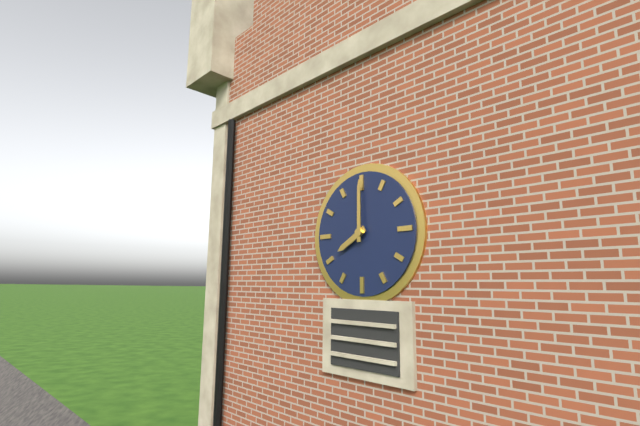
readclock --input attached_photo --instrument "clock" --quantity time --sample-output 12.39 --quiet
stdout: 8.00
